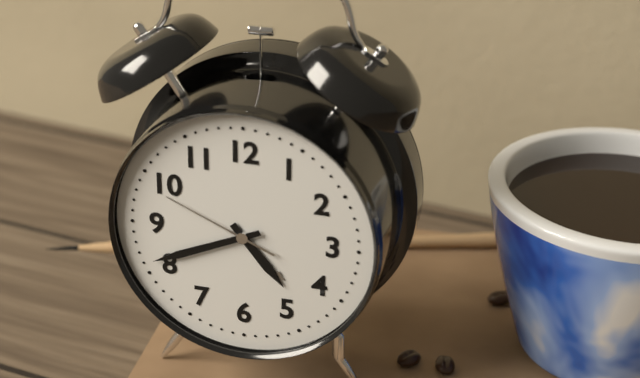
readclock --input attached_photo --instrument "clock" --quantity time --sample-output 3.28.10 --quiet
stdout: 4.41.49
